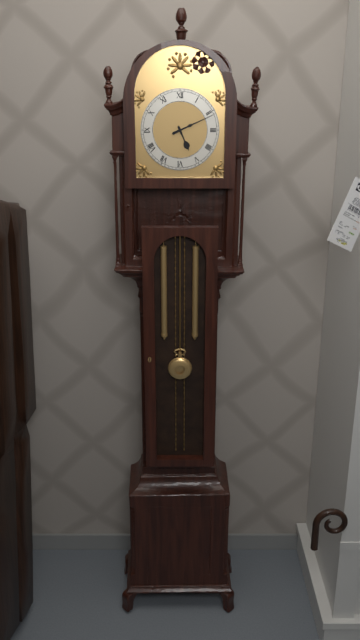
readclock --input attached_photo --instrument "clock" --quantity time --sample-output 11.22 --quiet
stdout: 5.11
